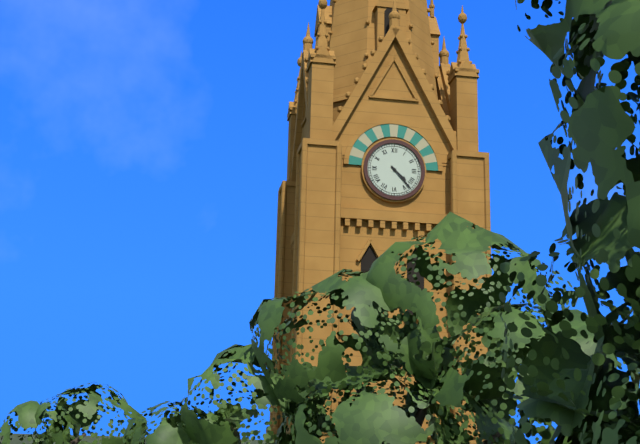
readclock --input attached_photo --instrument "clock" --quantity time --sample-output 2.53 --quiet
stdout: 4.23
